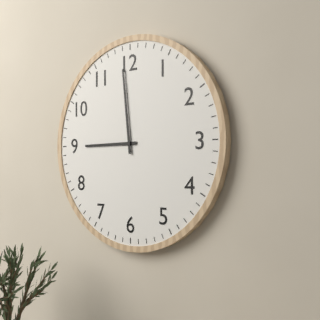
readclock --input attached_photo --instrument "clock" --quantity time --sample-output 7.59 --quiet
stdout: 8.59
